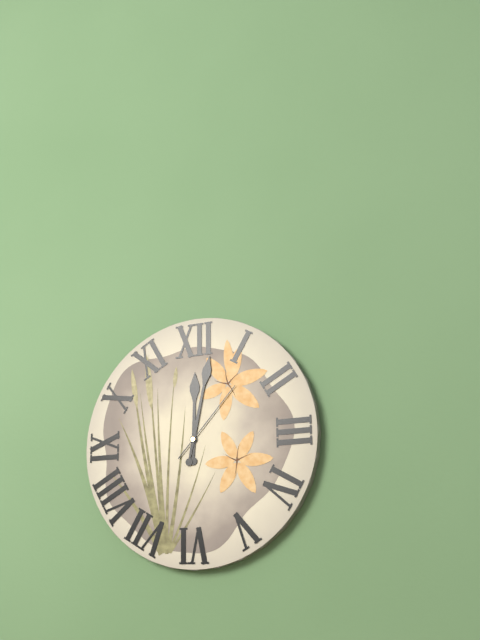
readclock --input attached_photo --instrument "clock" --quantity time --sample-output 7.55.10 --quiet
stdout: 12.02.07
